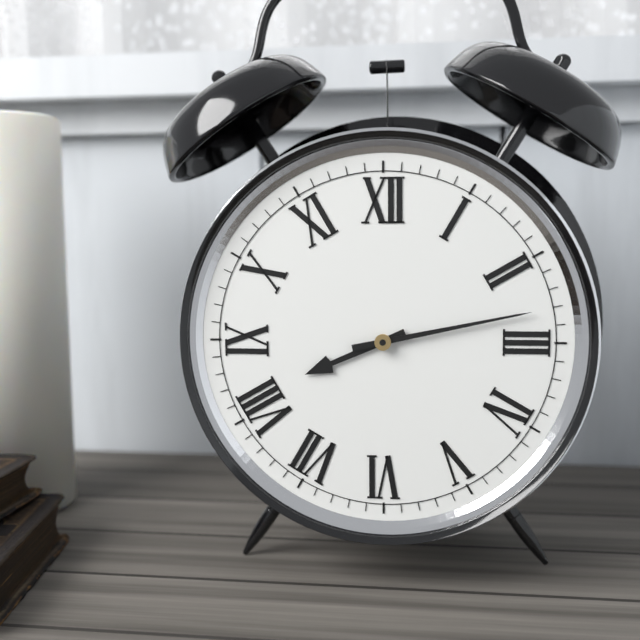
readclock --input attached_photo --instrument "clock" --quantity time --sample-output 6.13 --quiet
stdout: 8.13
